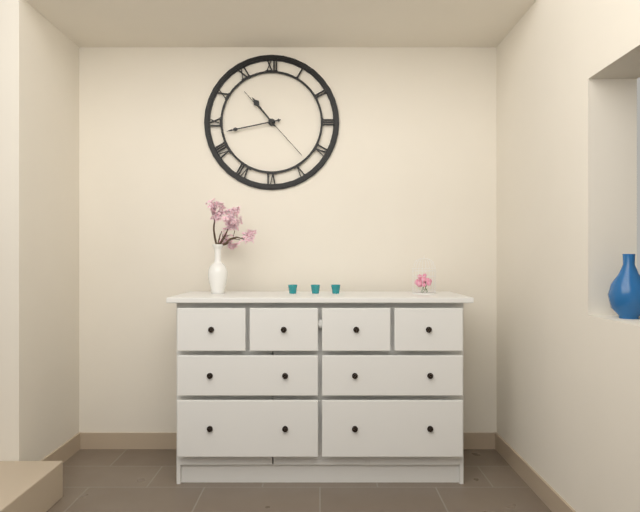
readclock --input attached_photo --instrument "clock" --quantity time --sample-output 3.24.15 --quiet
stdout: 10.43.23
